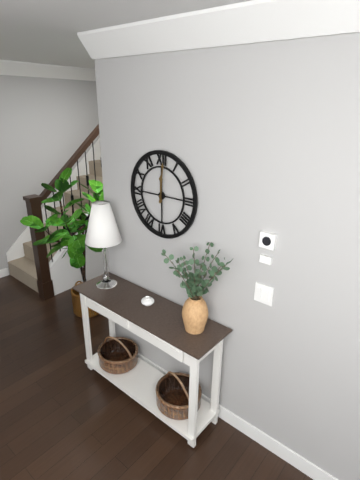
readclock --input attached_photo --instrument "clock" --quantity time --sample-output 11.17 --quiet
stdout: 12.01
